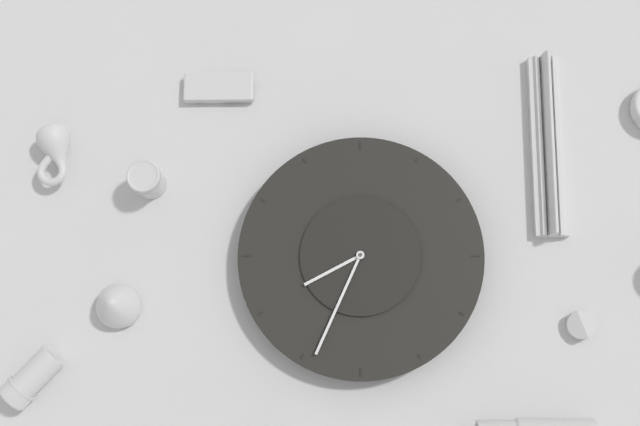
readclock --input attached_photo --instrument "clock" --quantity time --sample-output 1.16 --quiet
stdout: 2.04
